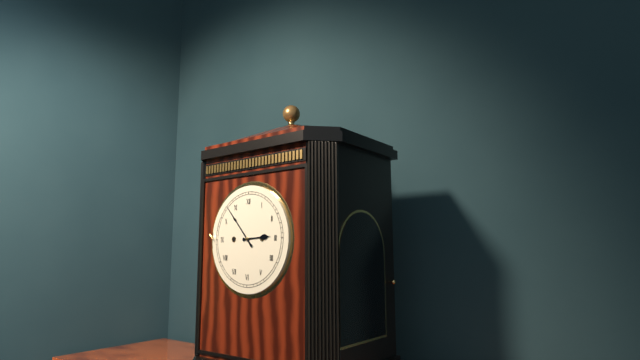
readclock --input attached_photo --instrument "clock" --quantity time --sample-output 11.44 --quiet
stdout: 2.53
